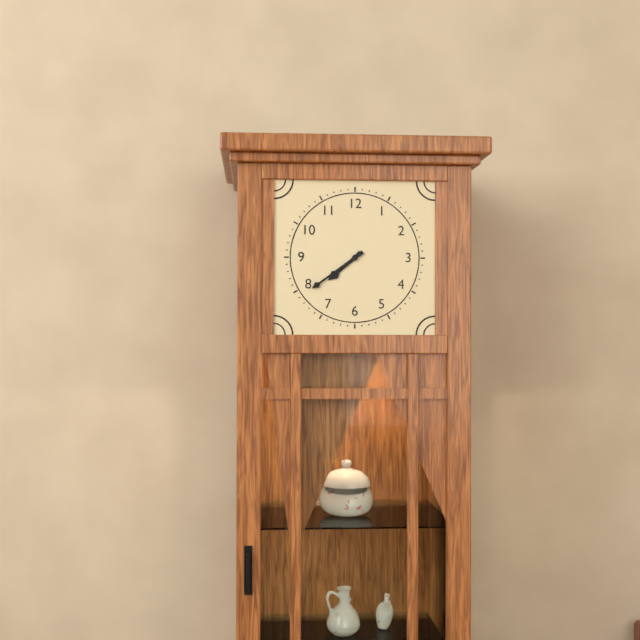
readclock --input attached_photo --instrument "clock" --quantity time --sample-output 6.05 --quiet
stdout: 7.39
